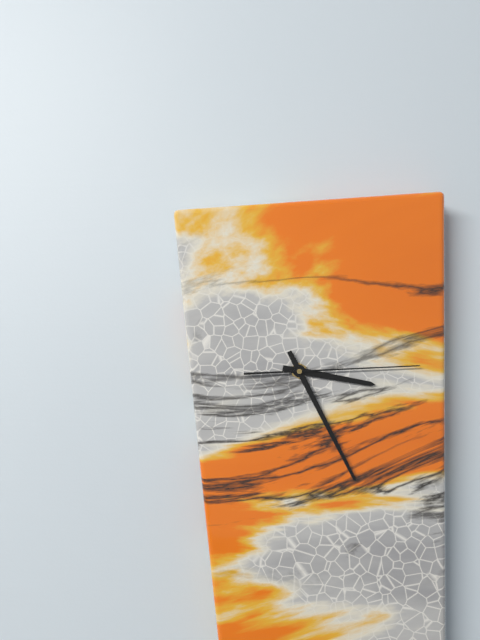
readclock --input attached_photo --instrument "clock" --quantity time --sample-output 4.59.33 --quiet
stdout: 3.26.15
